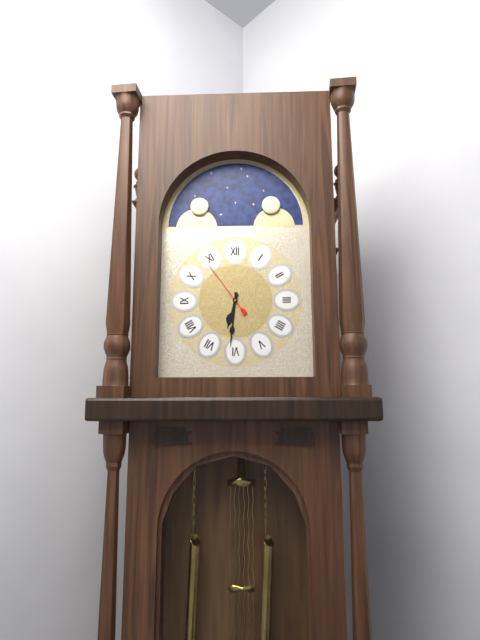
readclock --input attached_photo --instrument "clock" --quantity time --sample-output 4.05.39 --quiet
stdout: 6.31.54
